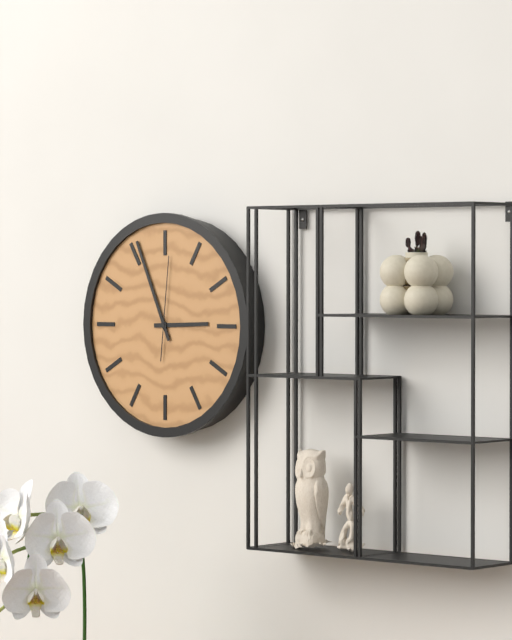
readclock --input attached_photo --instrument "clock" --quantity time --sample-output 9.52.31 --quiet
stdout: 2.56.01
